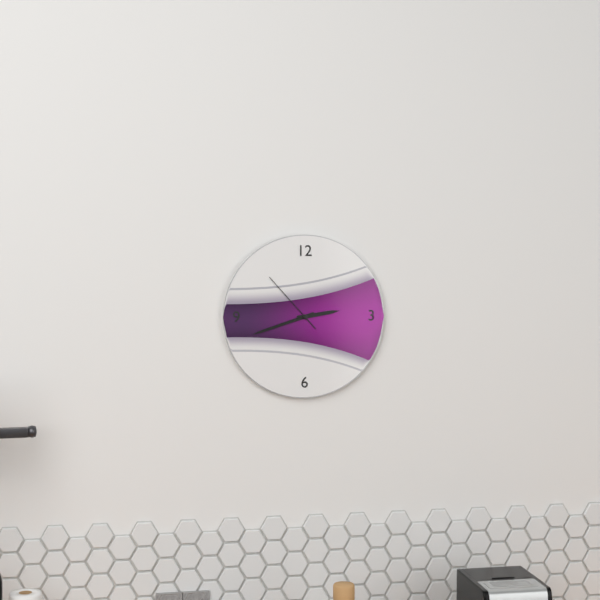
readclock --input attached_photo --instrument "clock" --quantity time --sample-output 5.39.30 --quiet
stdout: 2.42.53
